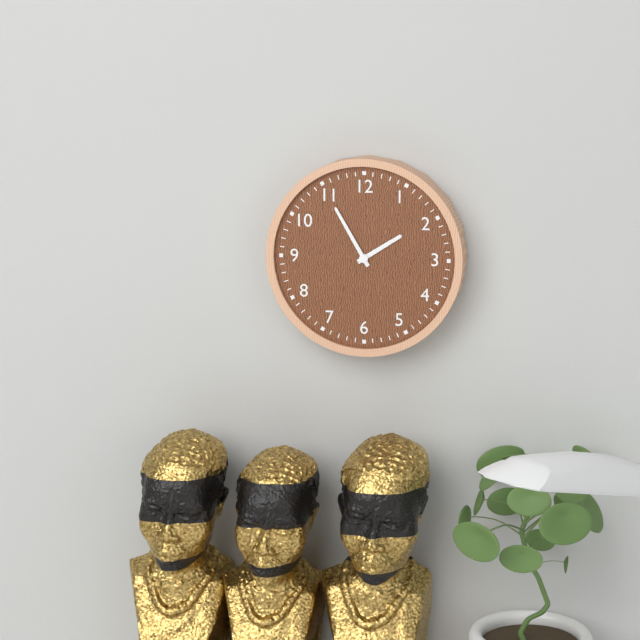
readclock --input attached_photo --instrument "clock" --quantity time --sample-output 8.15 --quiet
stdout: 1.55
